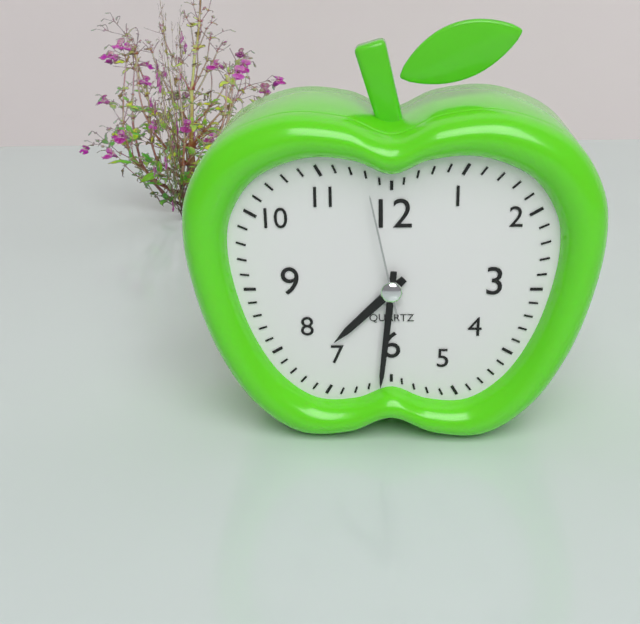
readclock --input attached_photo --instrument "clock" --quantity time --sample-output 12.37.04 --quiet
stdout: 7.31.58
